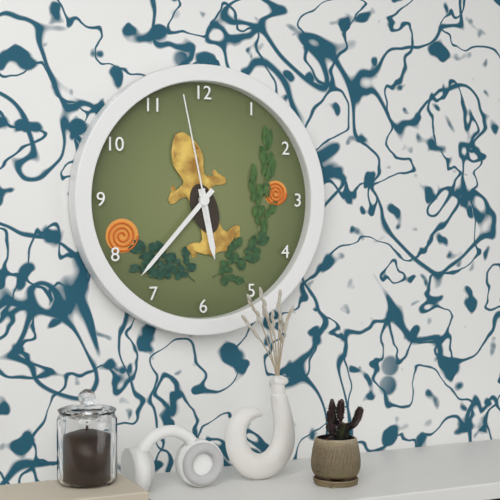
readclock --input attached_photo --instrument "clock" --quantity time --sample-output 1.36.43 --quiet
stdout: 5.37.58
